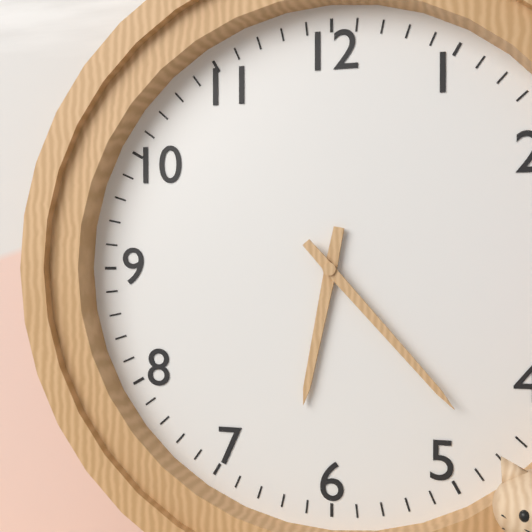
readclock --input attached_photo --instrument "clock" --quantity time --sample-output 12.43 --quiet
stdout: 6.23
